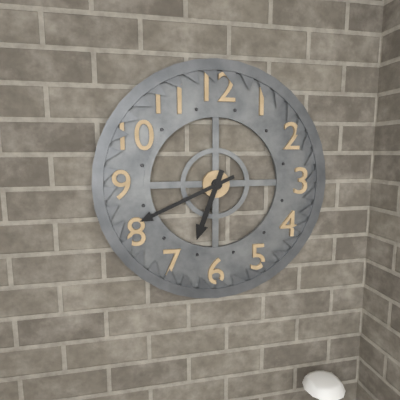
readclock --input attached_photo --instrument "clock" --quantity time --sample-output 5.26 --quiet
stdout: 6.41
